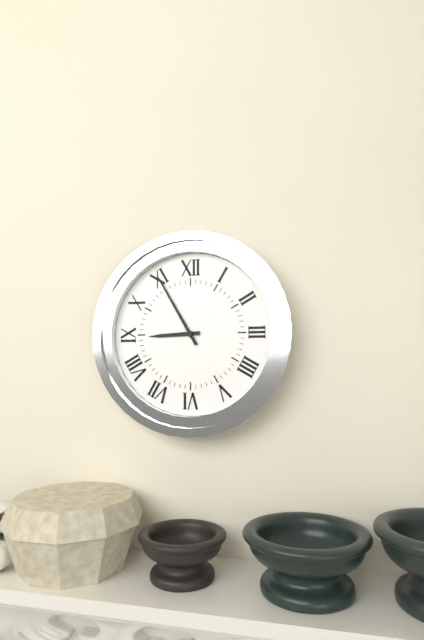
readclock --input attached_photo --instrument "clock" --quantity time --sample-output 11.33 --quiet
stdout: 8.55
